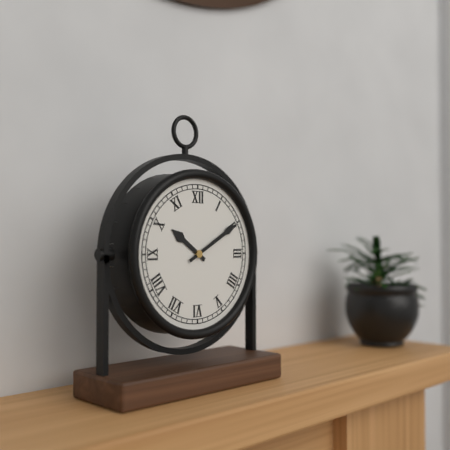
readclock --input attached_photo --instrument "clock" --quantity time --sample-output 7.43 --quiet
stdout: 10.10
